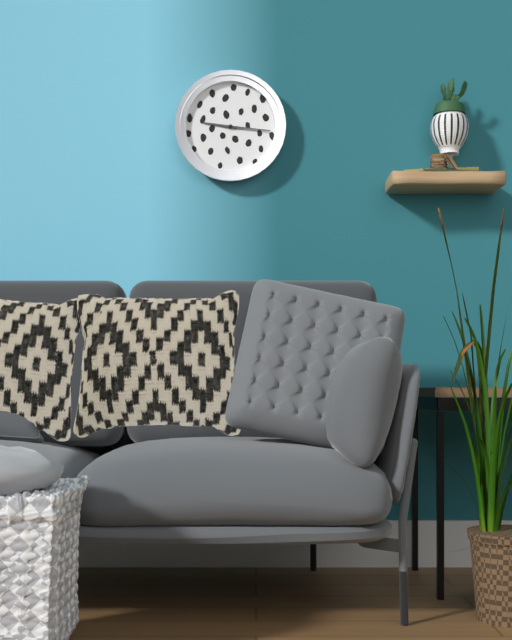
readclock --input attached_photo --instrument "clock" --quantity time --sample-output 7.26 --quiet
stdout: 9.16
